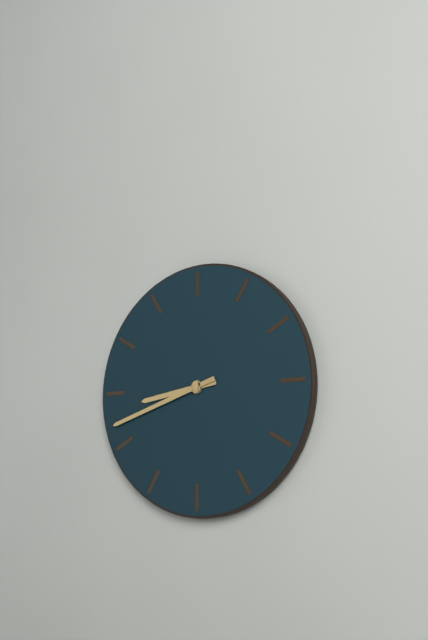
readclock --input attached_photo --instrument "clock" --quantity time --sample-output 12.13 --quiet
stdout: 8.42
